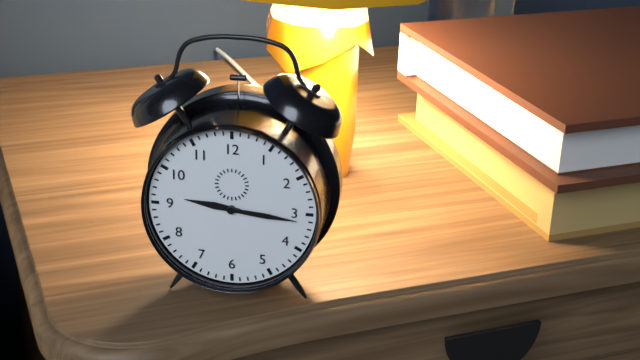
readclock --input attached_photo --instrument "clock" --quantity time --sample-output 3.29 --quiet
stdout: 9.16
